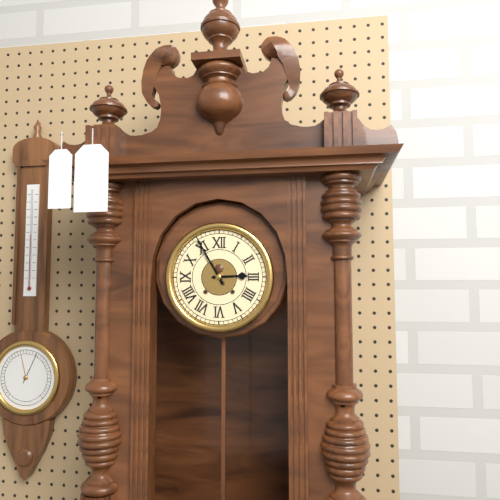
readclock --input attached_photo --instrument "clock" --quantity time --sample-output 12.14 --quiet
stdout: 2.55
